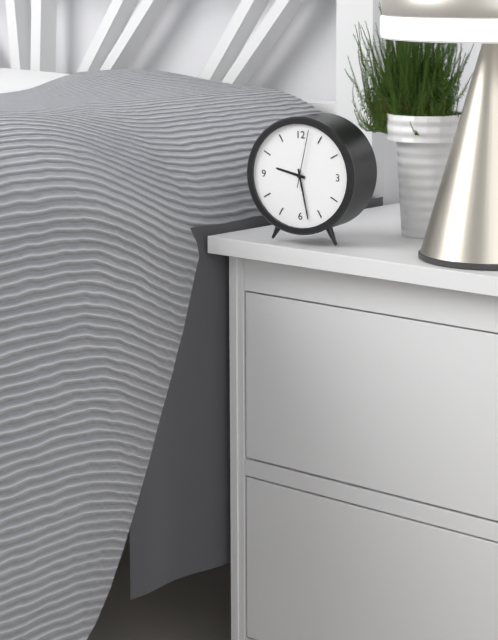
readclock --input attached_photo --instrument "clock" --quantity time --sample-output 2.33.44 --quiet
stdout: 9.28.02
